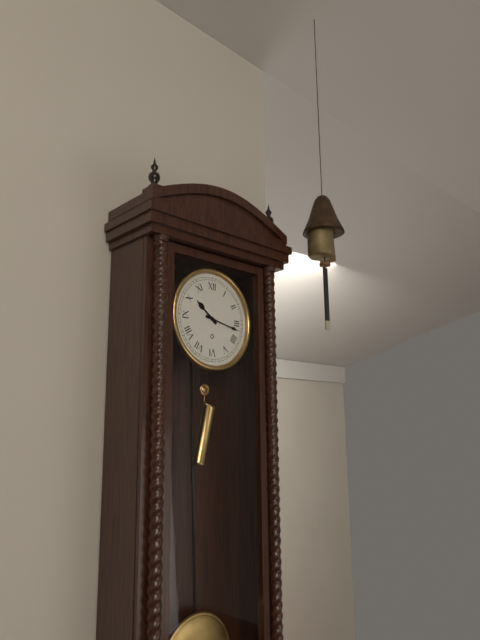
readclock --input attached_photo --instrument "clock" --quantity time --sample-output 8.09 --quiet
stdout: 10.17
